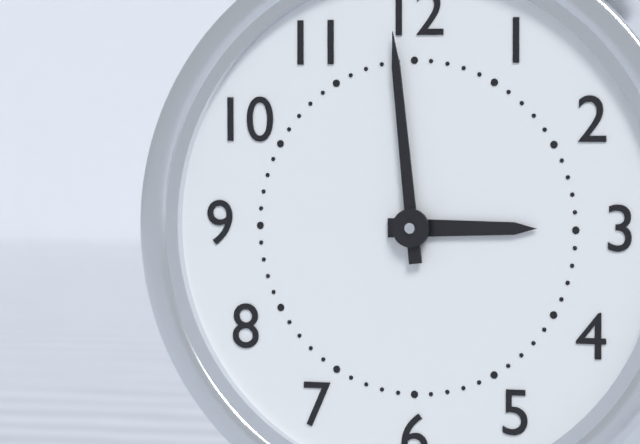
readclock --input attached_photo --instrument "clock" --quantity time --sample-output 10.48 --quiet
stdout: 2.59
